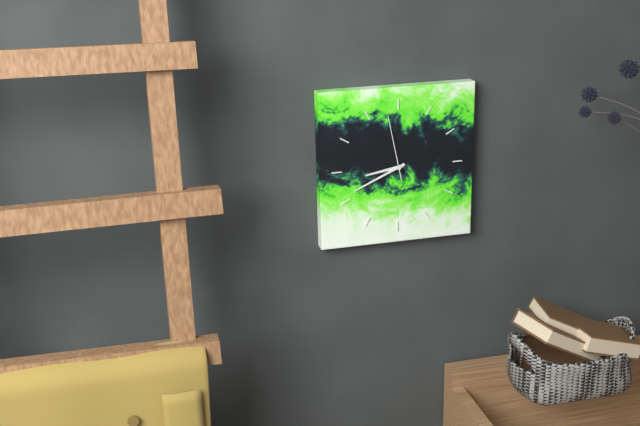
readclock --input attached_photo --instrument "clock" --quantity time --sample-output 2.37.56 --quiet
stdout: 8.41.58
